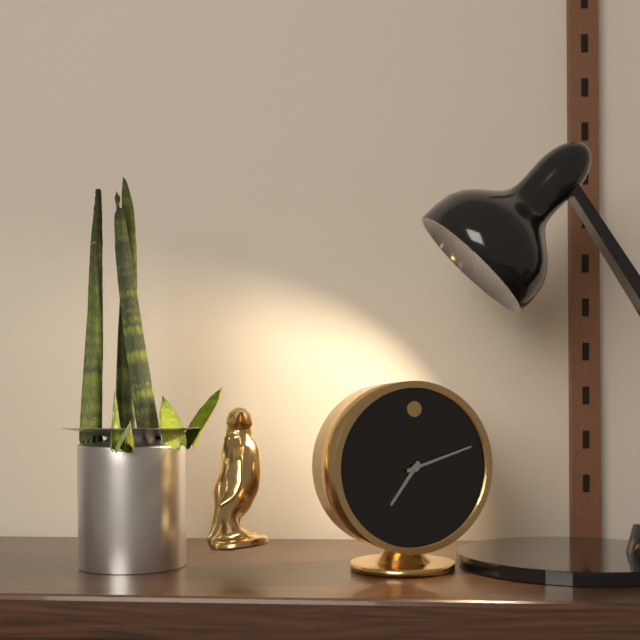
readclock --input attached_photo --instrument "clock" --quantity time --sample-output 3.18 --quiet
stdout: 7.12
